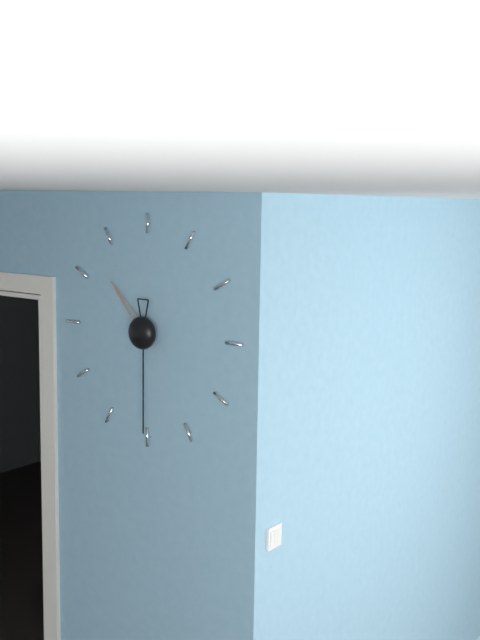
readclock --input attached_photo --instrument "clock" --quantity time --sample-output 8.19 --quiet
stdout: 10.30
